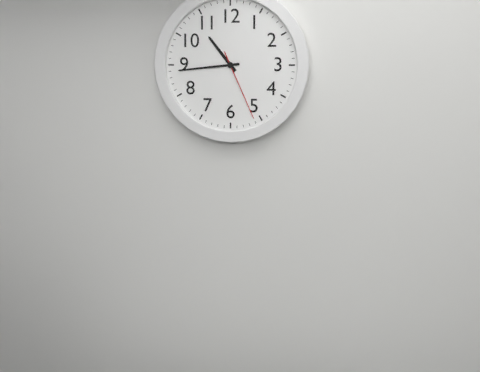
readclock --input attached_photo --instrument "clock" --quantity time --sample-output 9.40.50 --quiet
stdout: 10.44.26
